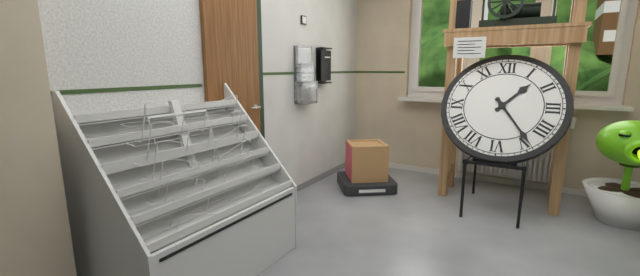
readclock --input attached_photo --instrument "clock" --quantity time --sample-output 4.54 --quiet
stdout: 1.24
